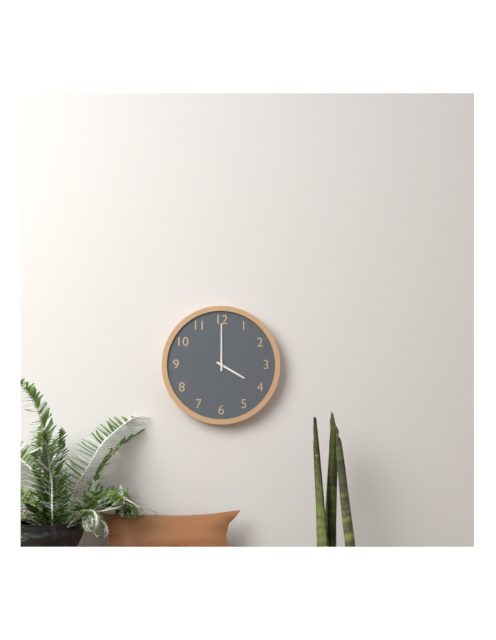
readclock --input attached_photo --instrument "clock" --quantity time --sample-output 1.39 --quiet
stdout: 4.00
